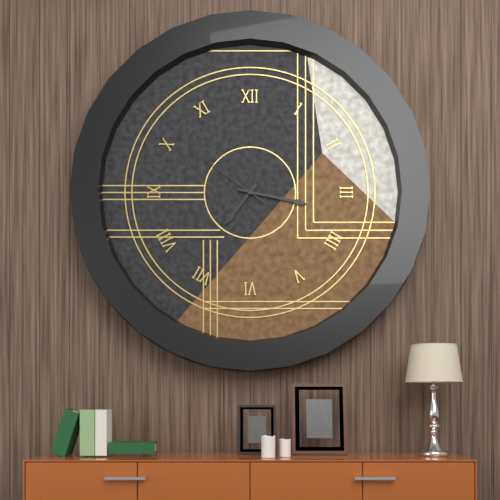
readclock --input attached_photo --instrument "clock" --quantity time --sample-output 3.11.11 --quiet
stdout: 7.17.51
